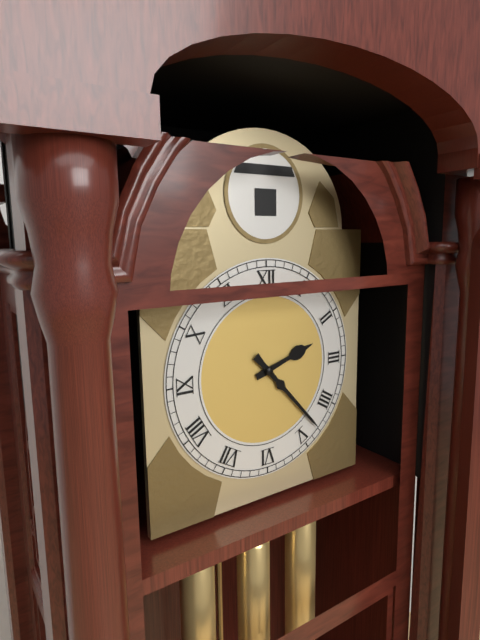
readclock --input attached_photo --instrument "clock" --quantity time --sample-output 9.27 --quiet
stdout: 2.23
